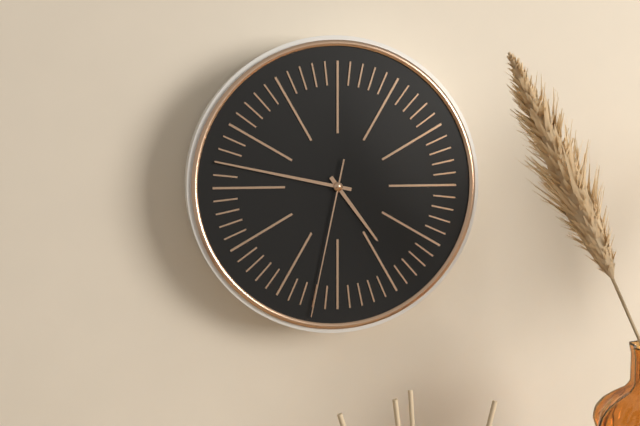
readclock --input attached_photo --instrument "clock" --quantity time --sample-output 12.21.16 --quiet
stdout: 4.47.32
